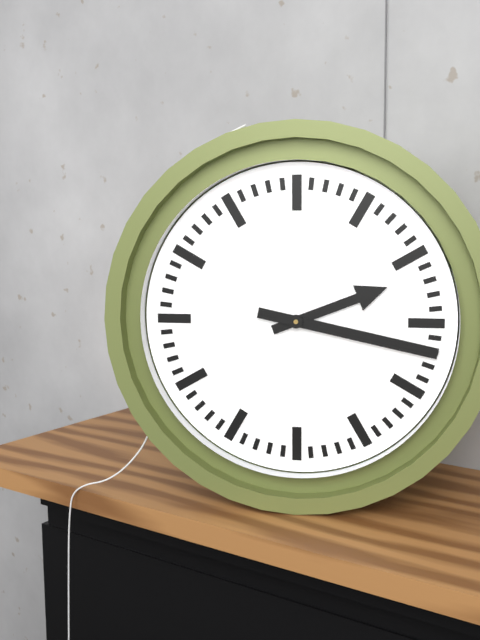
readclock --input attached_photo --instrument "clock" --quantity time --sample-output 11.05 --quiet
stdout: 2.17
